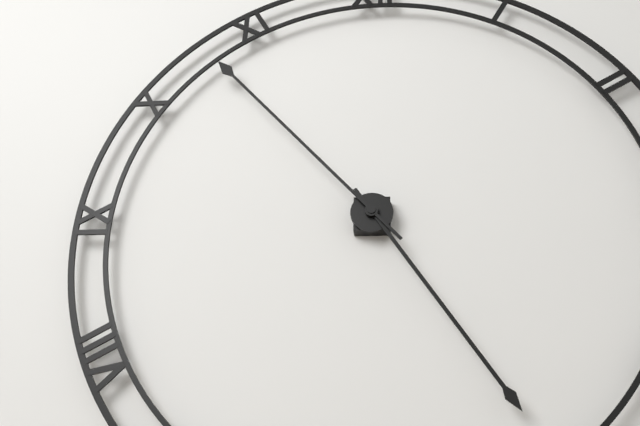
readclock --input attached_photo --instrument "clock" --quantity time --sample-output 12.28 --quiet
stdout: 4.53
